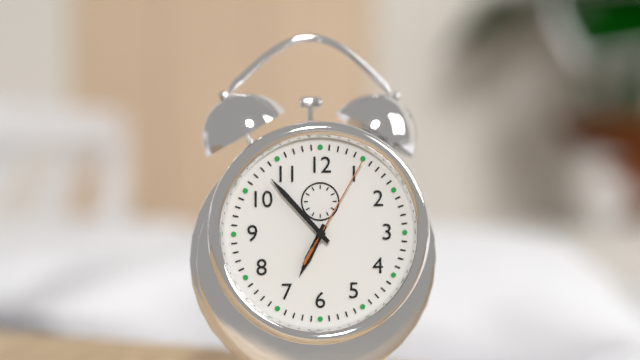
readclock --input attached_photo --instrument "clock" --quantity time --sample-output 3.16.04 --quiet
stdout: 6.53.05
